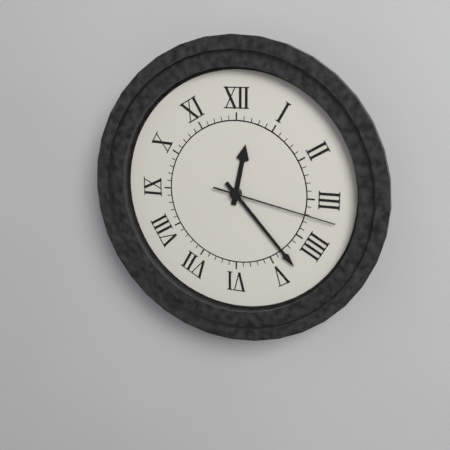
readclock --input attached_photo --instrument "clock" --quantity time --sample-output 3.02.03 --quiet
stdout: 12.23.17
